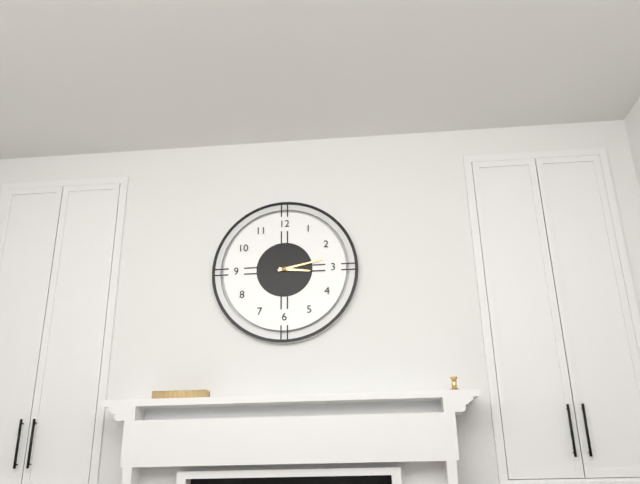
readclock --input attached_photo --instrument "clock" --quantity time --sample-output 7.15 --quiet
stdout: 3.13
